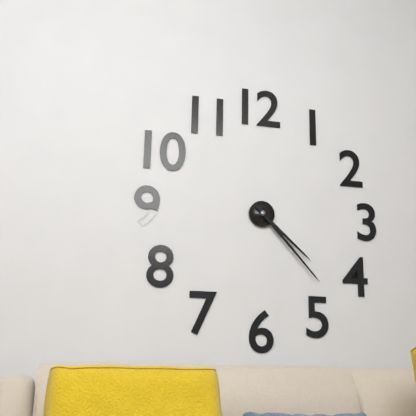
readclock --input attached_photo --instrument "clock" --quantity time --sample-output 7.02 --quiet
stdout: 4.23
